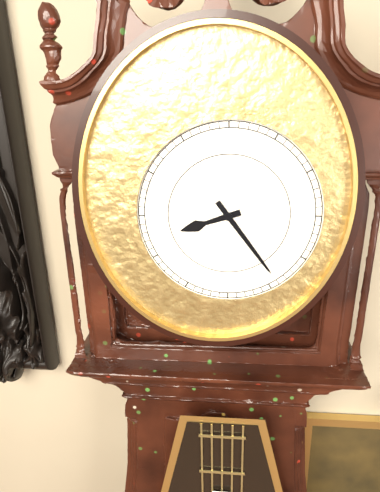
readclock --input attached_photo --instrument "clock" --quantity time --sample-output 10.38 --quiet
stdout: 8.24
